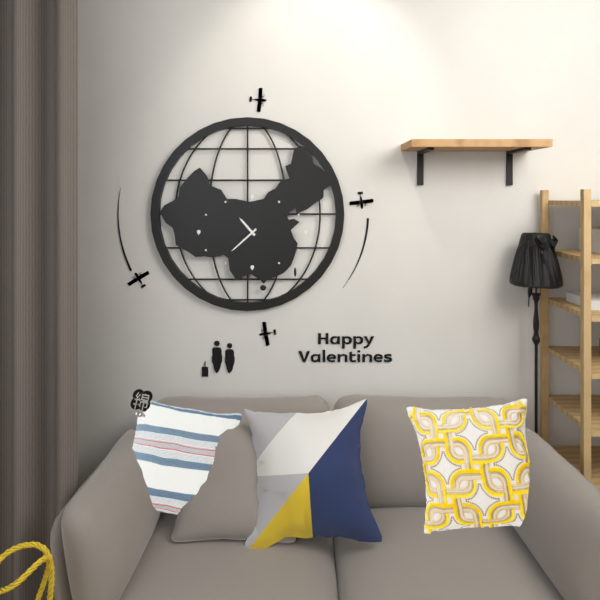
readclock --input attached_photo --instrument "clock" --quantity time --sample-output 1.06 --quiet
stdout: 10.38
